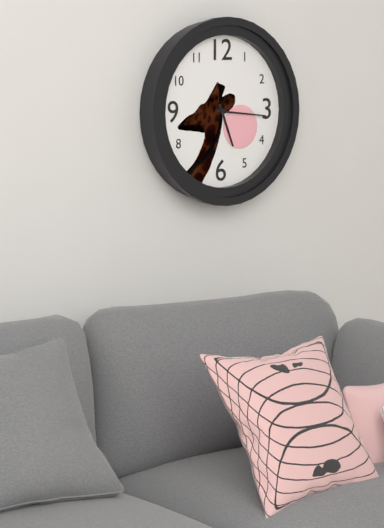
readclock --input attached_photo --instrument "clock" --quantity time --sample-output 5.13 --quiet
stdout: 5.16
